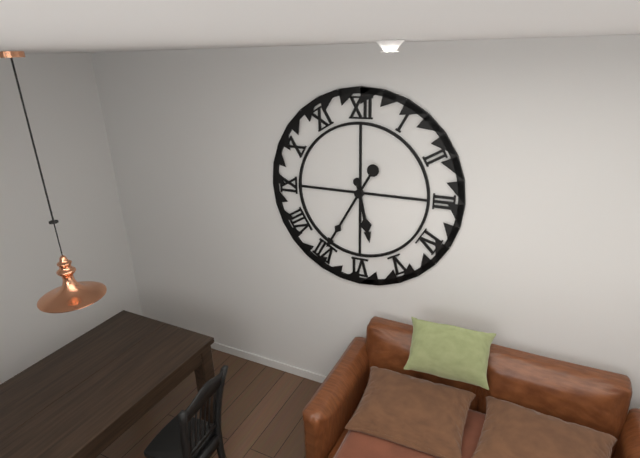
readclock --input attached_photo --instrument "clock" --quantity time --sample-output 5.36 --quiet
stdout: 5.35
